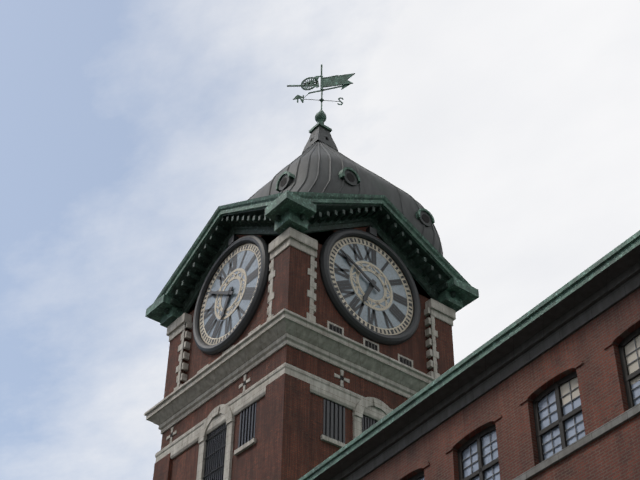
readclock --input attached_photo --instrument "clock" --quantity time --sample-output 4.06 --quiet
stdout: 6.50
